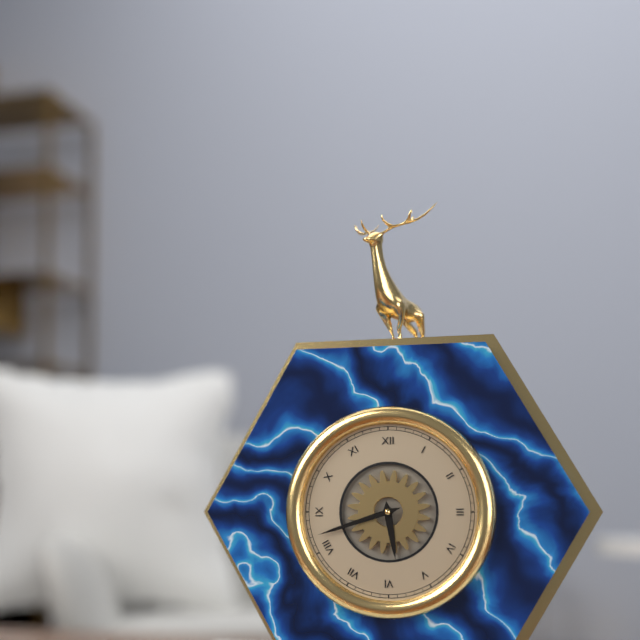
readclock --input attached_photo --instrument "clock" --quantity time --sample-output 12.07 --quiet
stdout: 5.42
